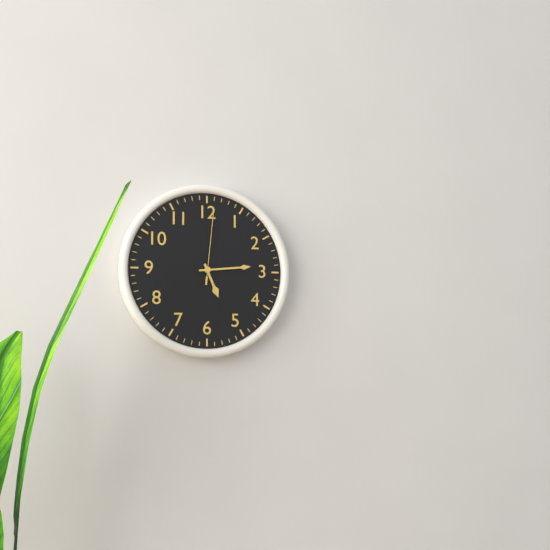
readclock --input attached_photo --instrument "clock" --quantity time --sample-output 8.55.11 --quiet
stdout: 5.14.01
